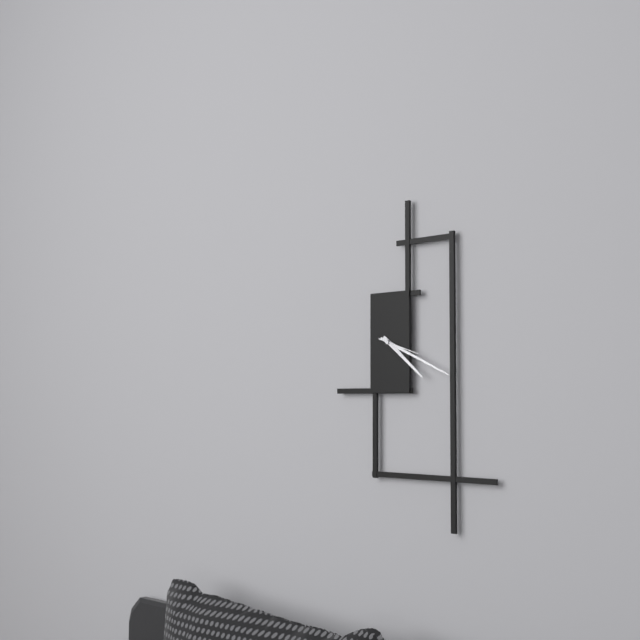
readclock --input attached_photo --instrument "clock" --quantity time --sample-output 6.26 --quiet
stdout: 4.19
